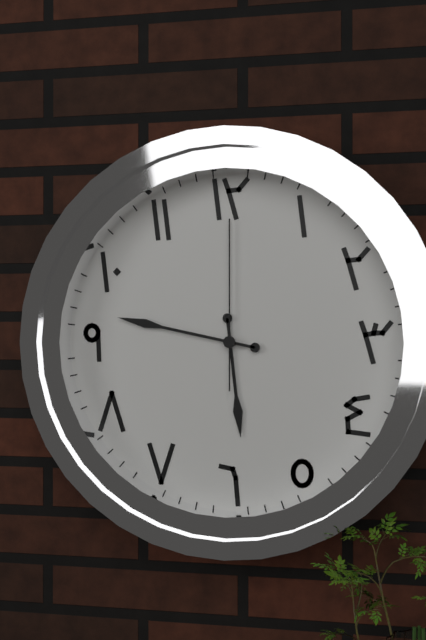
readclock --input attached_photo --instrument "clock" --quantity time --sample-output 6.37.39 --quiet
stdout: 5.47.00
